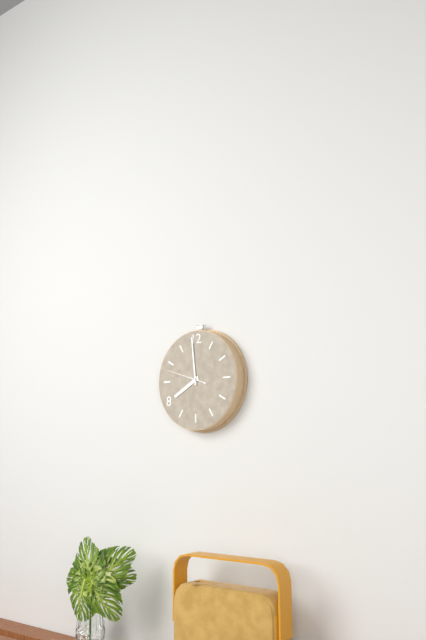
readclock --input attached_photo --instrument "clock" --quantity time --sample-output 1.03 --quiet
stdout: 7.59
